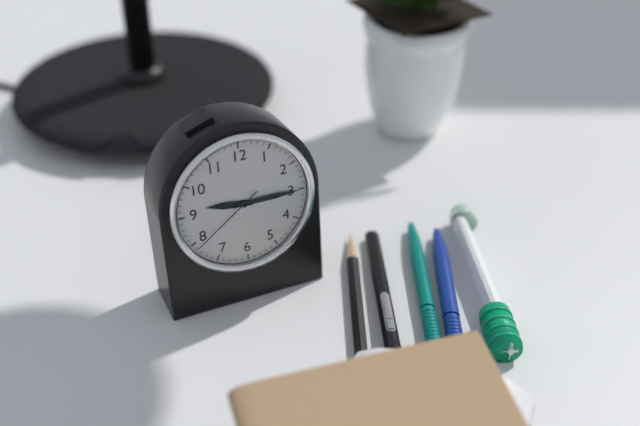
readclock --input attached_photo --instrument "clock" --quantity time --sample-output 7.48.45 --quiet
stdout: 9.15.39
